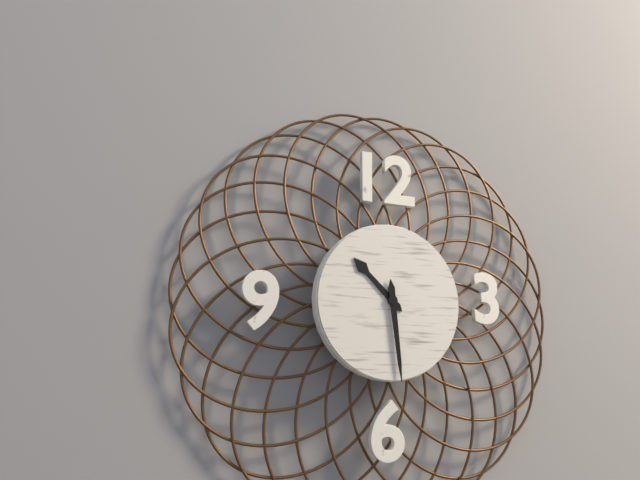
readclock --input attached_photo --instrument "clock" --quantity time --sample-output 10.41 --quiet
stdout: 10.29
